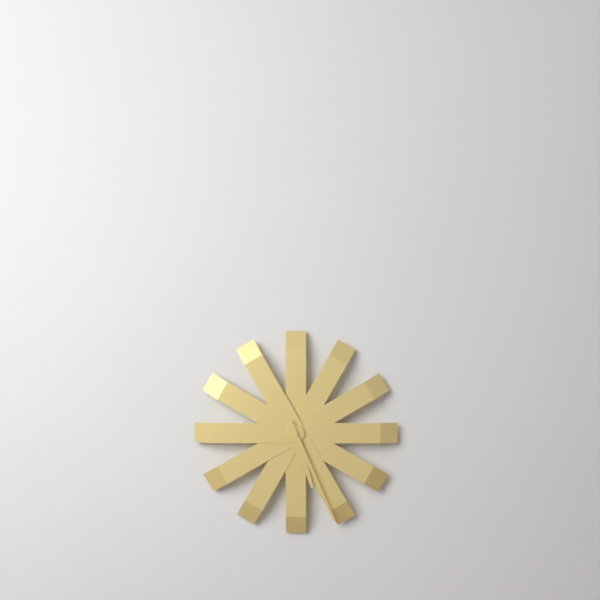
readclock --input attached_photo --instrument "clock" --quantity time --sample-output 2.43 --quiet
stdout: 5.26
